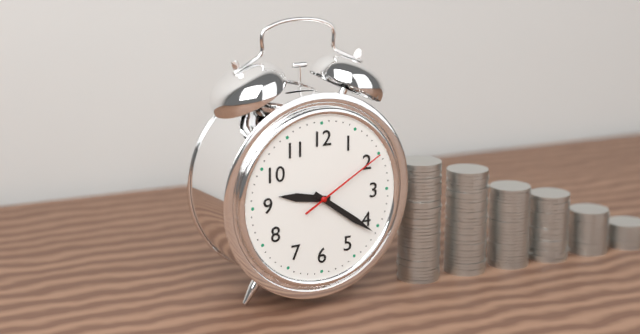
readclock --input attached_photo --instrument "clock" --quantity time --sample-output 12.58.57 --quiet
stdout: 9.21.10
